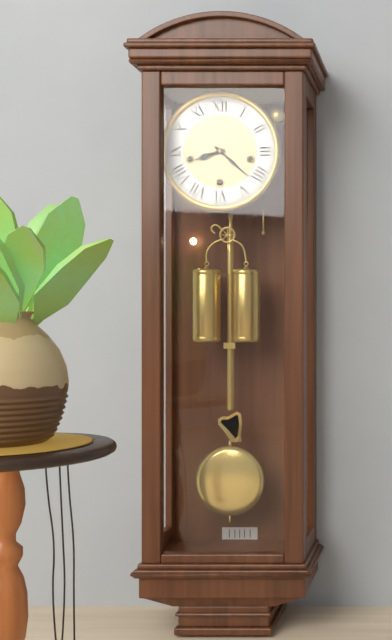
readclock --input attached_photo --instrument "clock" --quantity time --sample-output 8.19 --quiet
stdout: 8.22
